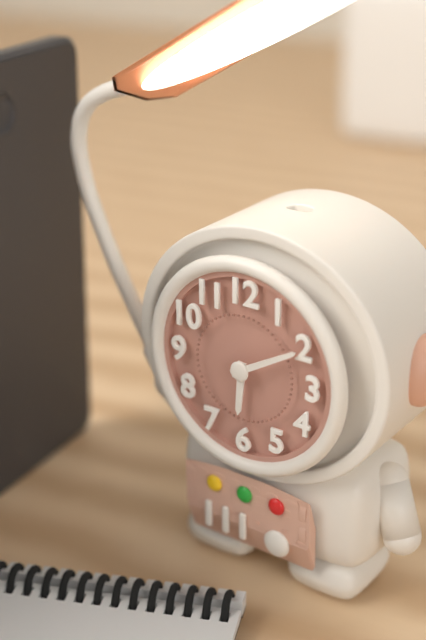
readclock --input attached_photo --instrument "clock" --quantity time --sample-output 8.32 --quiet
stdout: 6.10
